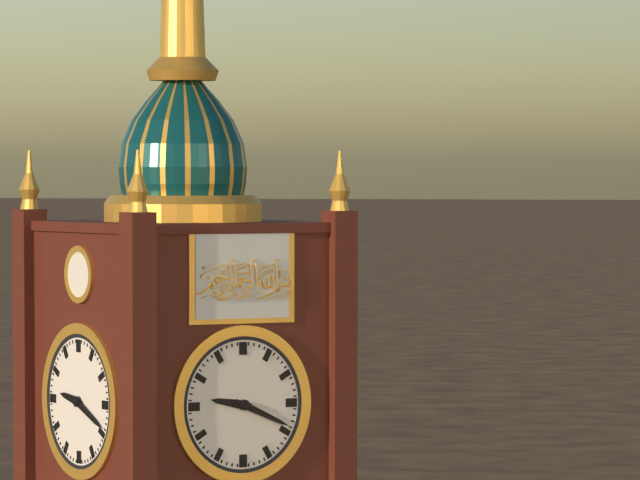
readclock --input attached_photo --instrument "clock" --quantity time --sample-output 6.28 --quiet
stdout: 9.19
